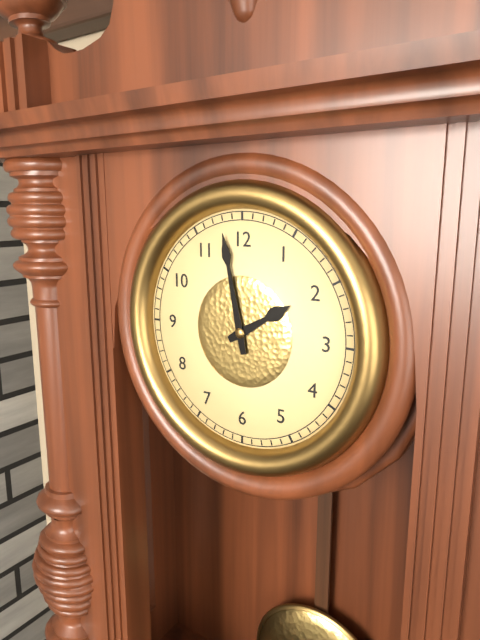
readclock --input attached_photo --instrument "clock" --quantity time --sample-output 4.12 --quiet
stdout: 1.58
